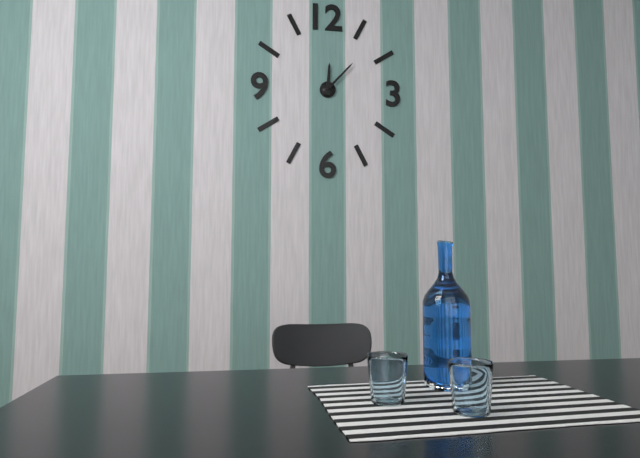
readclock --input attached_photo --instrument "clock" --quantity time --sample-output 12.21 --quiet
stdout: 12.07
